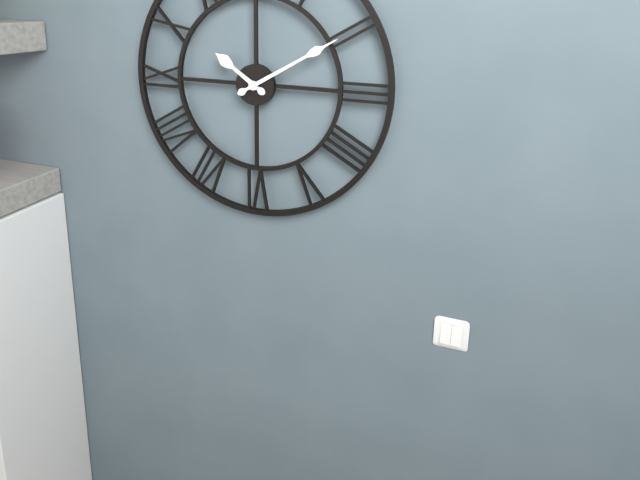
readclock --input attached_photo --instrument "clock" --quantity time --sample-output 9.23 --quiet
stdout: 10.10
